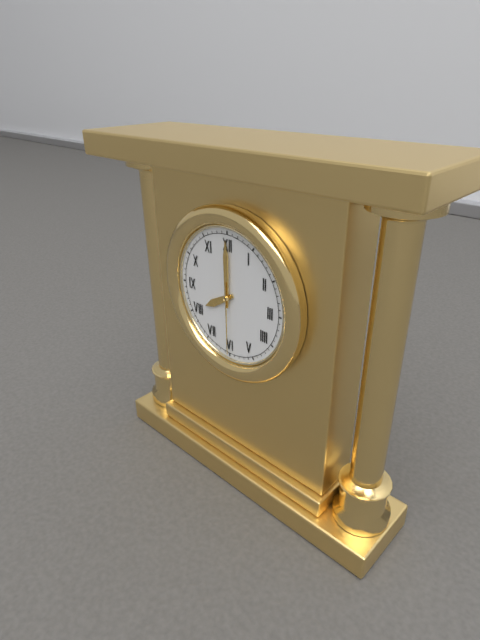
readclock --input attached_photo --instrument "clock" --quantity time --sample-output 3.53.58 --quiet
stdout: 8.00.30
